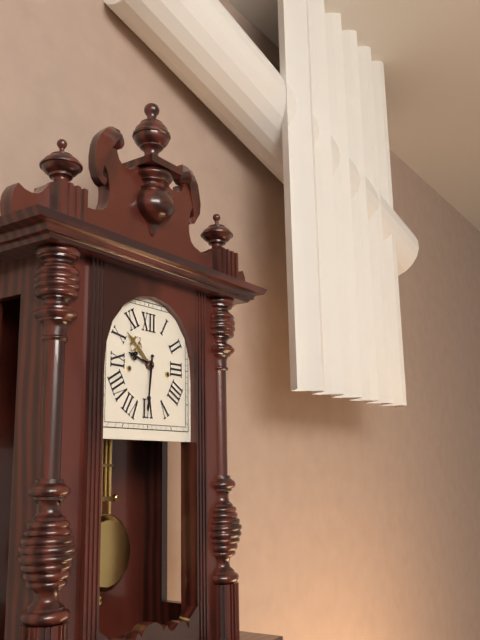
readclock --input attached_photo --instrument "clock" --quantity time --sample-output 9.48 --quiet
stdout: 9.31
